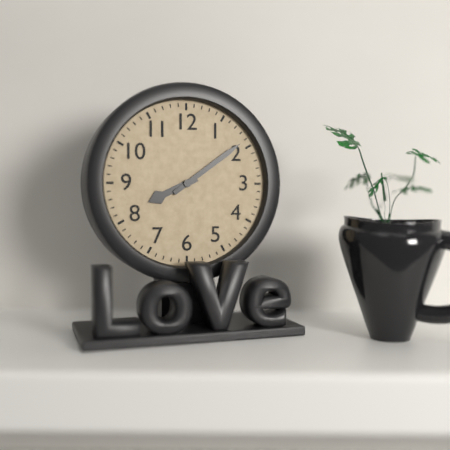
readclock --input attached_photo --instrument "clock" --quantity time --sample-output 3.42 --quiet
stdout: 8.09
